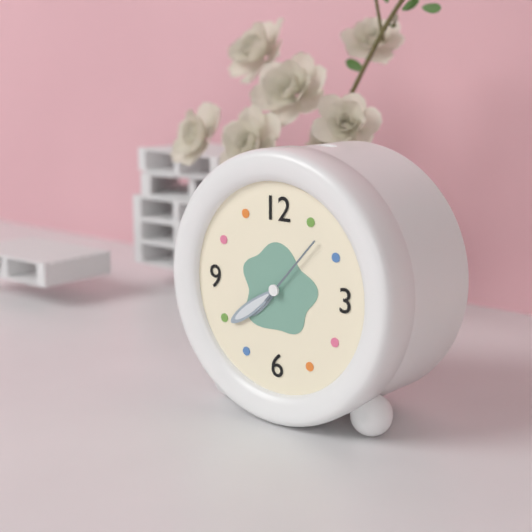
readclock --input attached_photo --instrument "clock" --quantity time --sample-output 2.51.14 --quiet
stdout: 7.39.07
